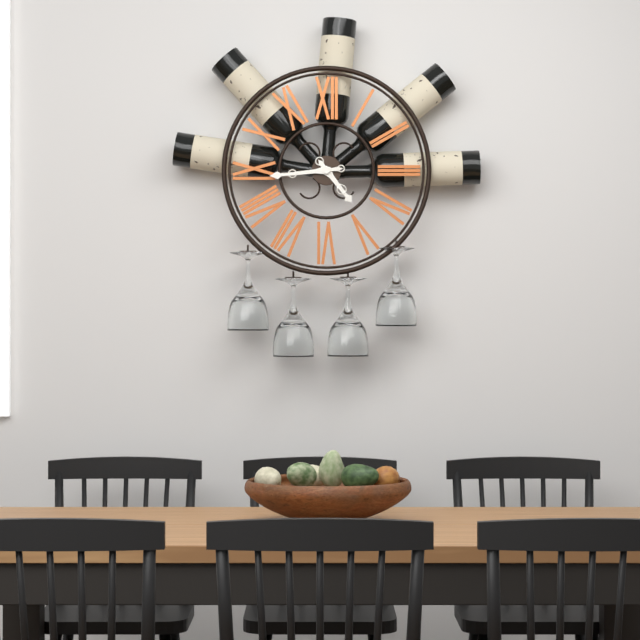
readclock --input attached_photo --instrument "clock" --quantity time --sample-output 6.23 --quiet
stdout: 4.44
